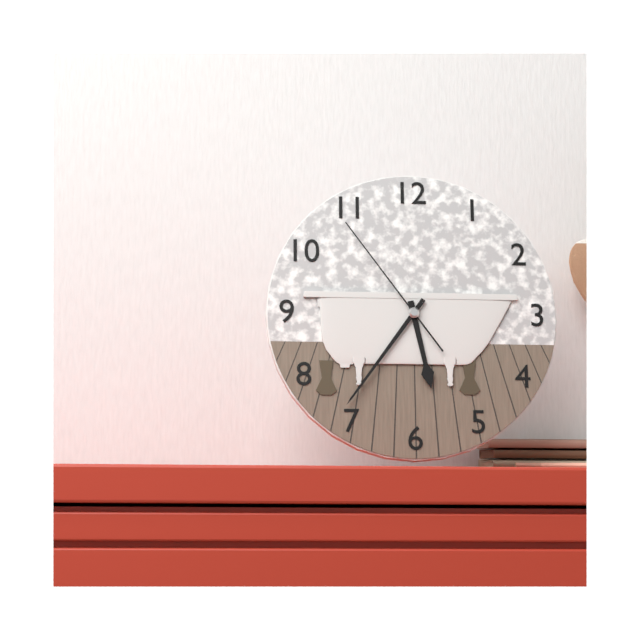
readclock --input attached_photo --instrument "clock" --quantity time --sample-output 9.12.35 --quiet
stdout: 5.36.54
